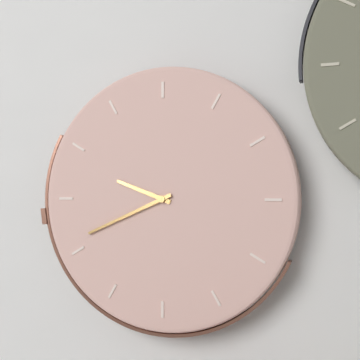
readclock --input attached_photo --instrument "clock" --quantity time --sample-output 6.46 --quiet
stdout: 9.41
